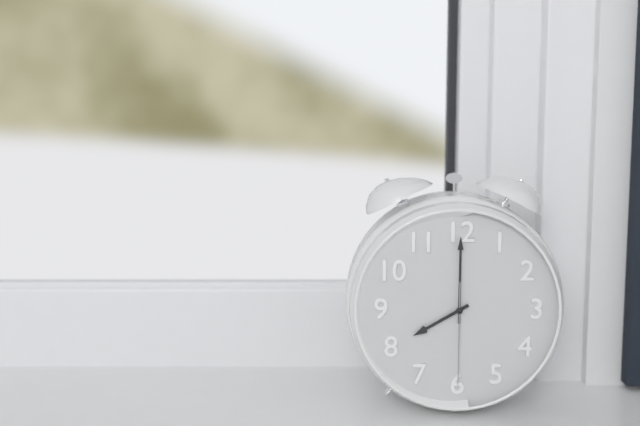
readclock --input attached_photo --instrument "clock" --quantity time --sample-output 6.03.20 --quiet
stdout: 8.00.30
